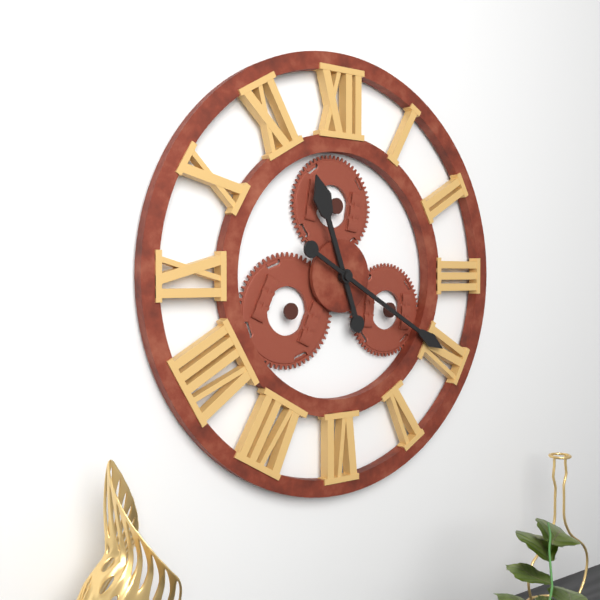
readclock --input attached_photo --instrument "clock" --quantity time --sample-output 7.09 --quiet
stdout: 11.20
